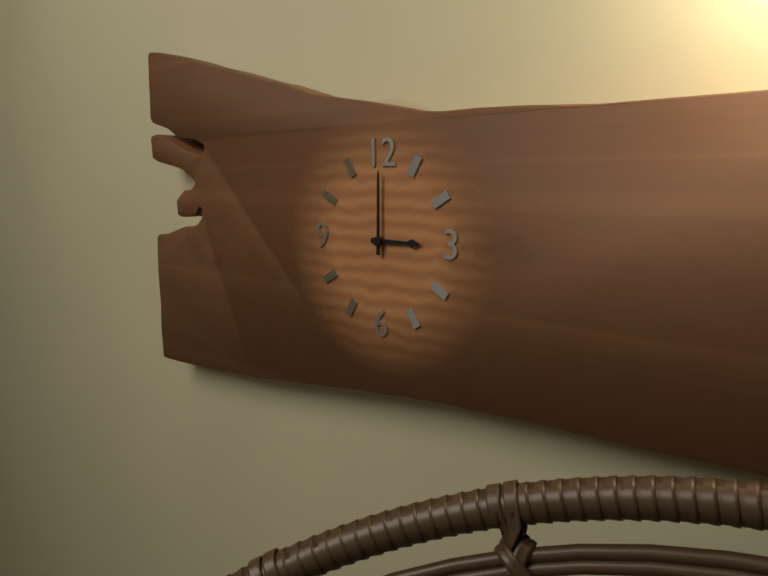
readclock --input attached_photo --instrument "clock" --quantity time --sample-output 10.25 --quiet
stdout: 3.00
